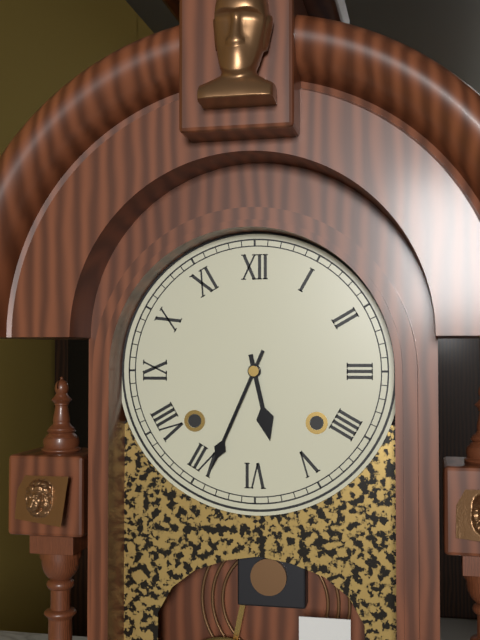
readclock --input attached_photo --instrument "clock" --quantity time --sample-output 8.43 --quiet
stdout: 5.34
